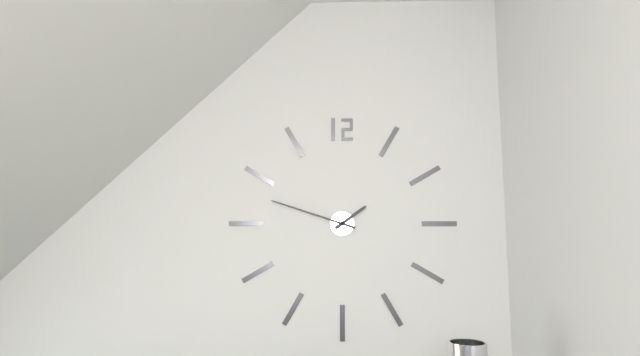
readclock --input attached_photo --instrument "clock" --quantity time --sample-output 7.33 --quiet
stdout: 1.48
